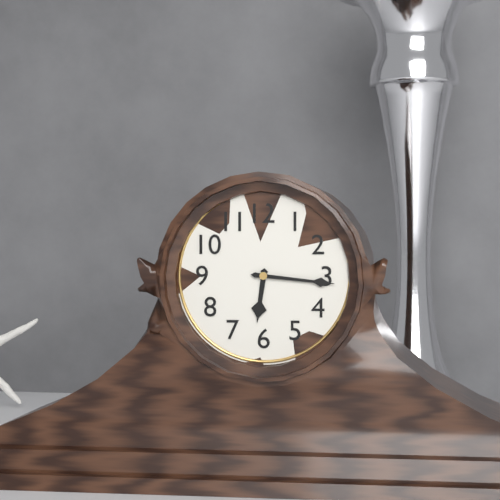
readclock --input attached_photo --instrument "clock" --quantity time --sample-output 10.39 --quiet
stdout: 6.16
